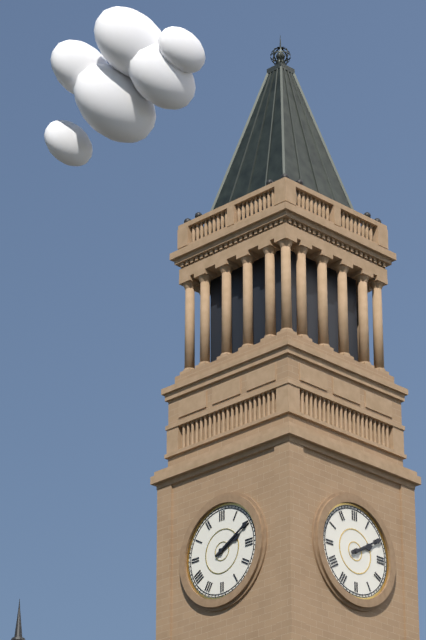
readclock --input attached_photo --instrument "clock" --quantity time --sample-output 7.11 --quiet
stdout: 2.10
